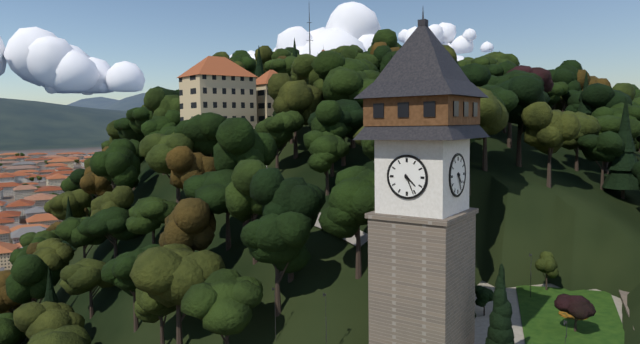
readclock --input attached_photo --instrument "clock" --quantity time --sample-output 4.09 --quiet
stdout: 4.26
